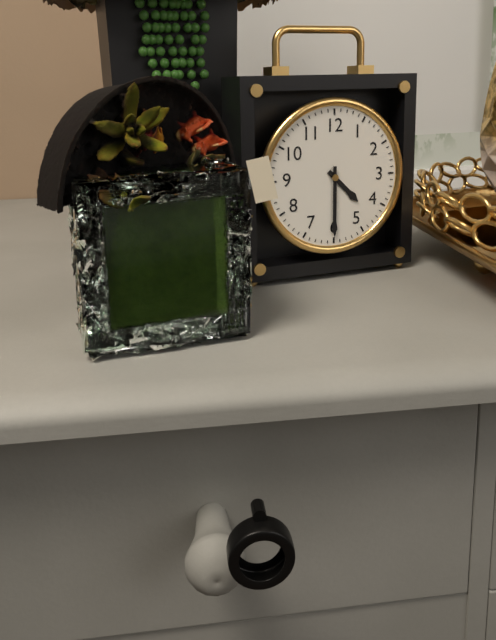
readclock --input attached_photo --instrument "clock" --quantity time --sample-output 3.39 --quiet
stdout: 4.30
